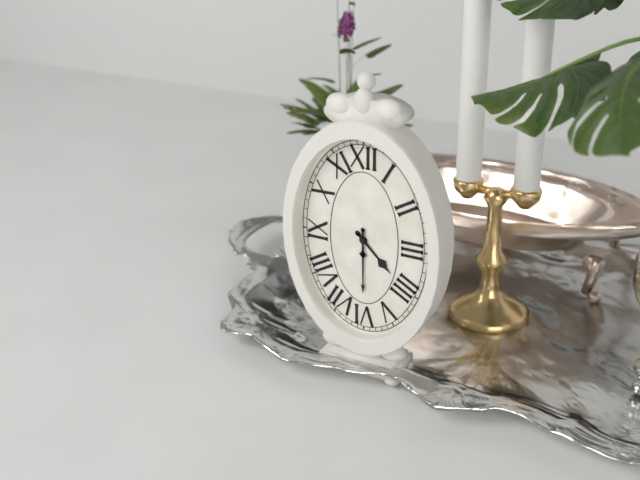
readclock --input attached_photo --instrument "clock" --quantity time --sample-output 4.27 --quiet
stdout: 4.30
